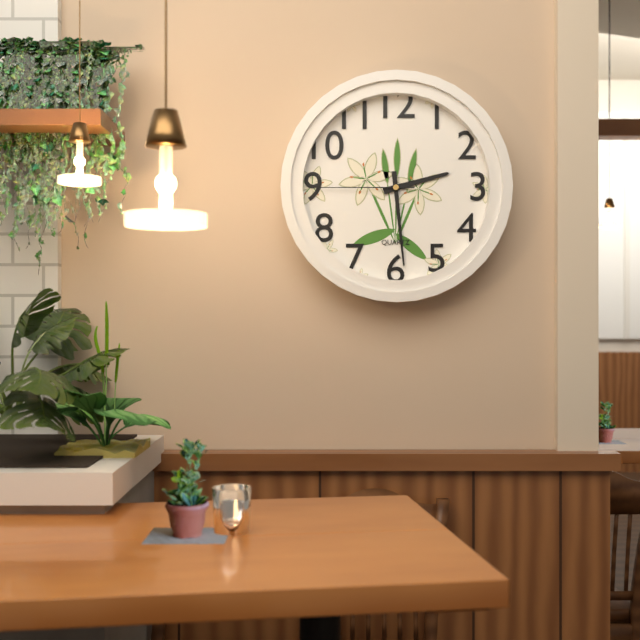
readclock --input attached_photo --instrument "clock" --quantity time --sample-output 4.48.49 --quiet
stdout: 2.29.45
